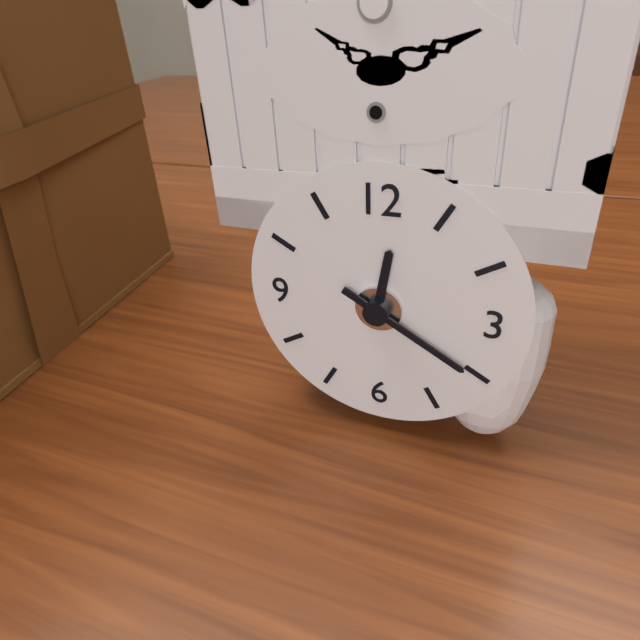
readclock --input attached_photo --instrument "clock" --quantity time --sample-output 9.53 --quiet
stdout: 12.20
